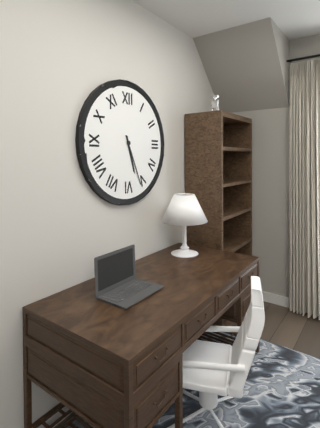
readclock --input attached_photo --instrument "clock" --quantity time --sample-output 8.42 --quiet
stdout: 5.26
